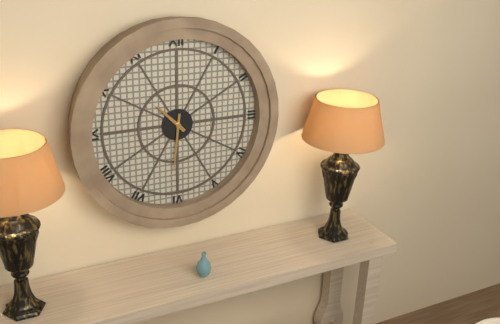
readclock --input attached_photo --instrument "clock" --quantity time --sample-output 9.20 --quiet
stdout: 10.31
